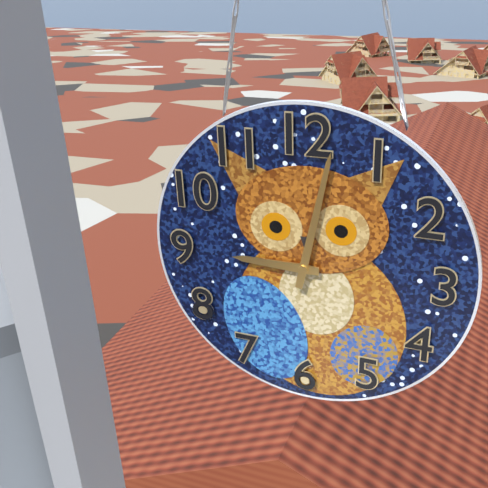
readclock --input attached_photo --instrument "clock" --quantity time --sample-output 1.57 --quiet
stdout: 9.02
